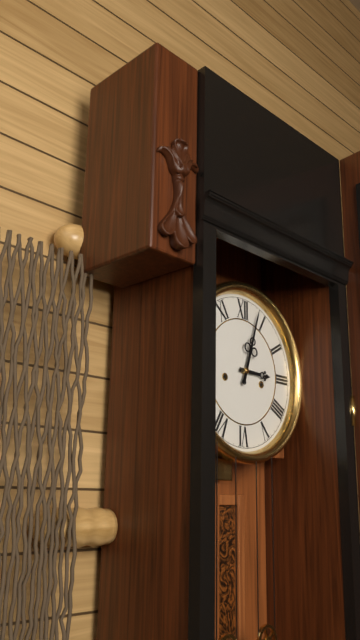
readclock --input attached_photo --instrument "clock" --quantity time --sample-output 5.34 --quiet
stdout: 3.03
